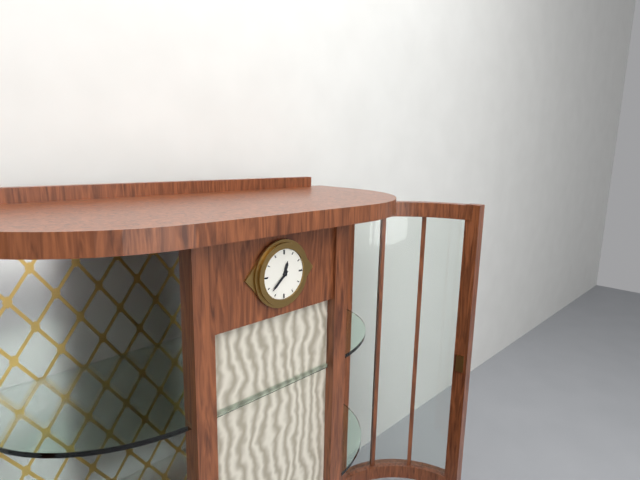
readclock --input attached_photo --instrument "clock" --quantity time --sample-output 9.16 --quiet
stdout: 12.38
